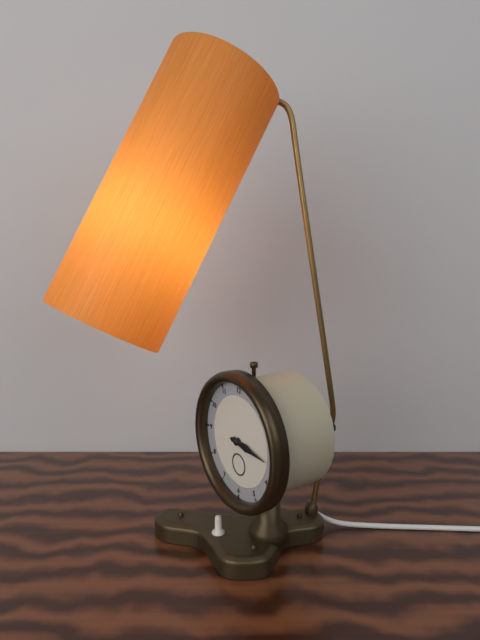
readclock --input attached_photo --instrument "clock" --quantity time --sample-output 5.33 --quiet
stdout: 3.16
